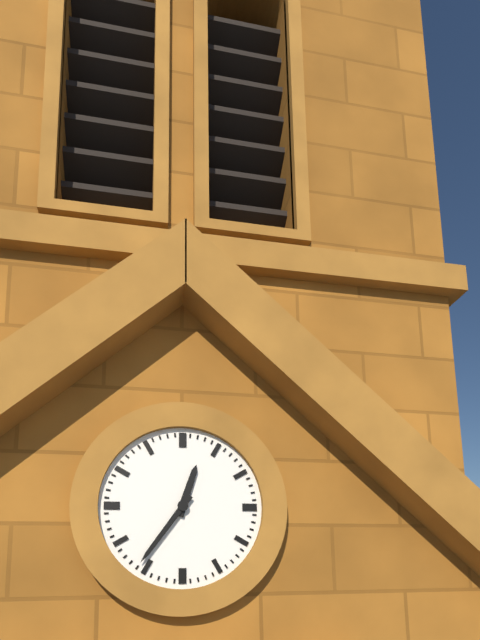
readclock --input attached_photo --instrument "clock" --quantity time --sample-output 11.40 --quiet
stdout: 12.36
